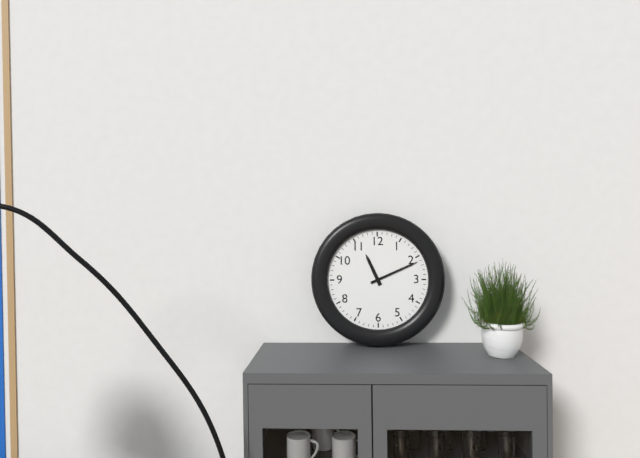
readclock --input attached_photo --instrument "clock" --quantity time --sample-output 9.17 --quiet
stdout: 11.11
